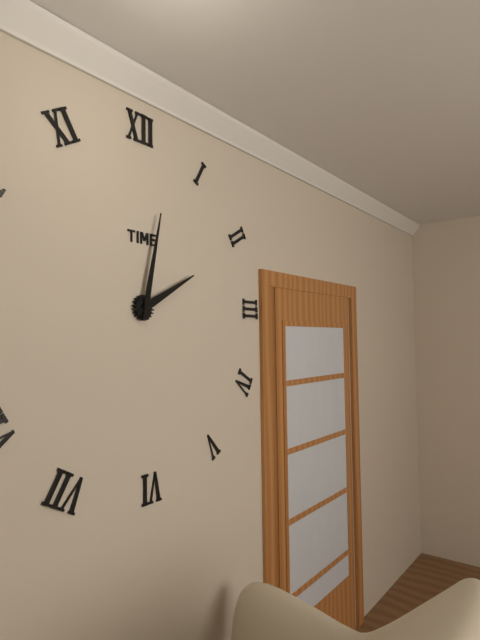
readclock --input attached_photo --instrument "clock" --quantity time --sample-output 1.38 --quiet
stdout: 2.02
